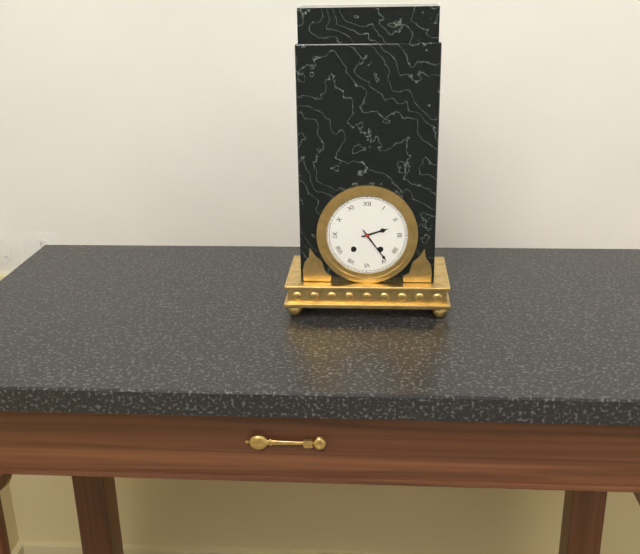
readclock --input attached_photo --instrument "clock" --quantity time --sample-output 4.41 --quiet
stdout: 2.24
